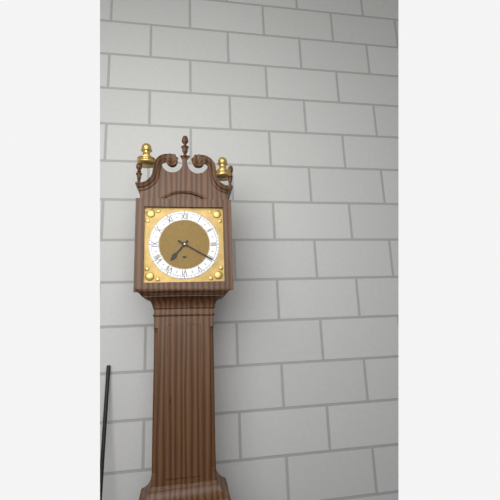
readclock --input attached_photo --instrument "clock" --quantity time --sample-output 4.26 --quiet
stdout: 7.20
